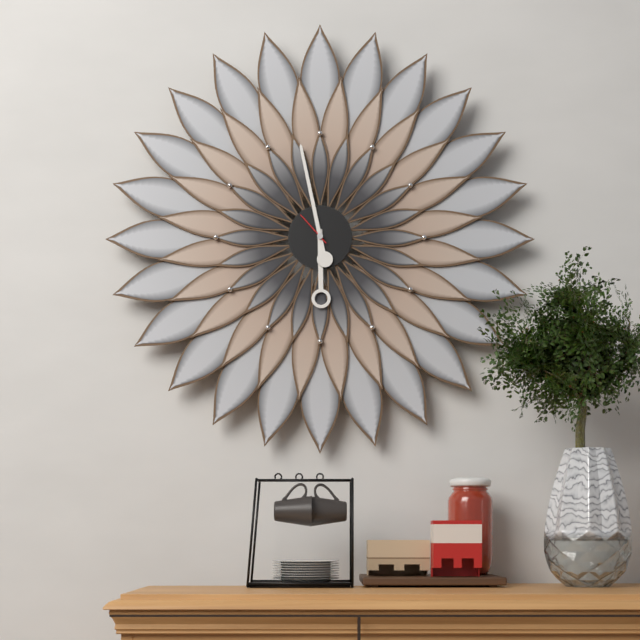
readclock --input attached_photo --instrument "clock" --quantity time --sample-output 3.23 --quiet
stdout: 5.58
